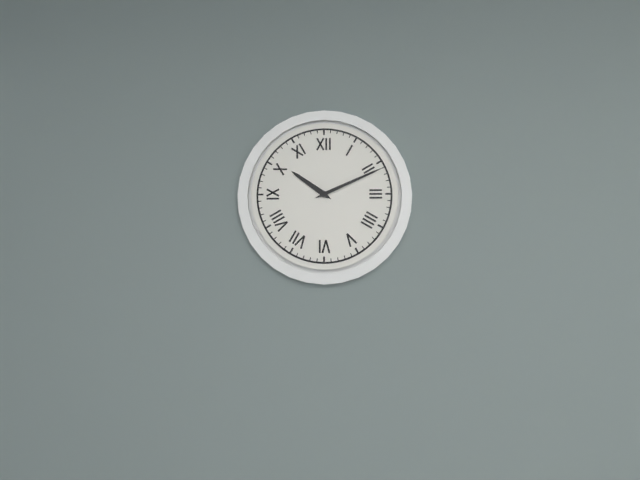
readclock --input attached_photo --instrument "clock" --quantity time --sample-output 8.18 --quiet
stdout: 10.11
